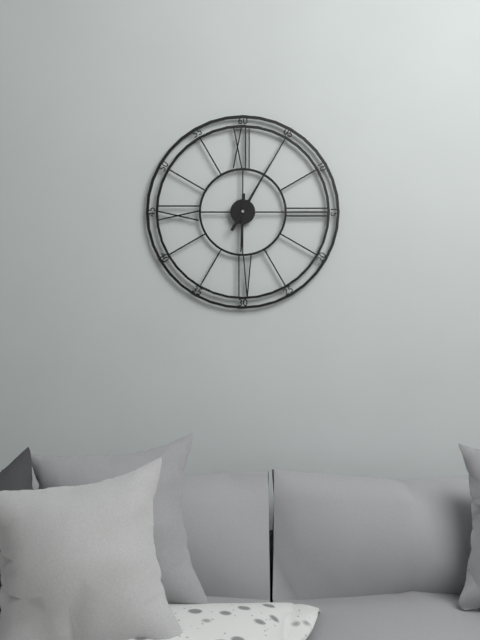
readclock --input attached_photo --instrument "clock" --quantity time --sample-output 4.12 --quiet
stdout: 6.05
